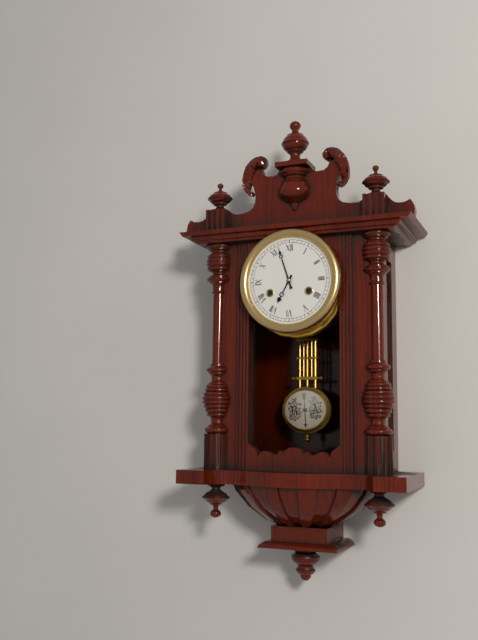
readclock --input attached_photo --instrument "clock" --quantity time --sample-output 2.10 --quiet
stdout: 6.57
